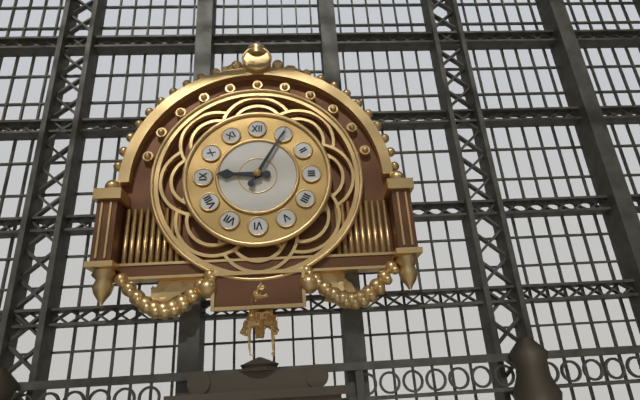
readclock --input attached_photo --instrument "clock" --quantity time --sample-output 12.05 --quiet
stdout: 9.05
